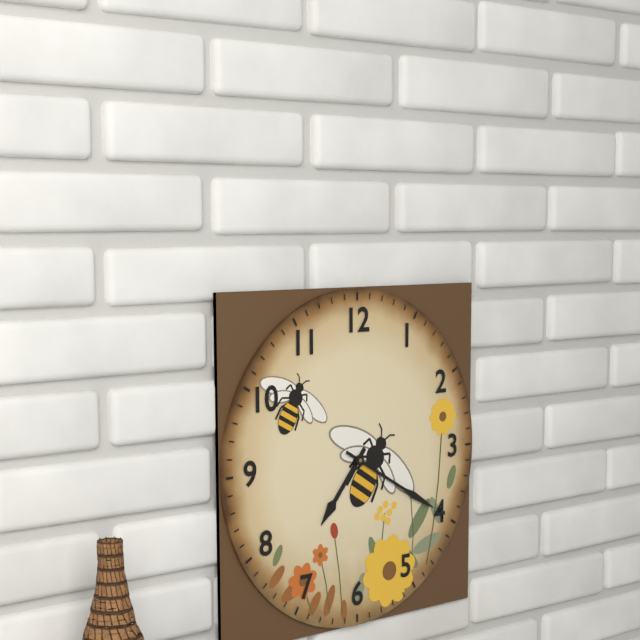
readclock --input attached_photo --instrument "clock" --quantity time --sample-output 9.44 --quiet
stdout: 7.20
